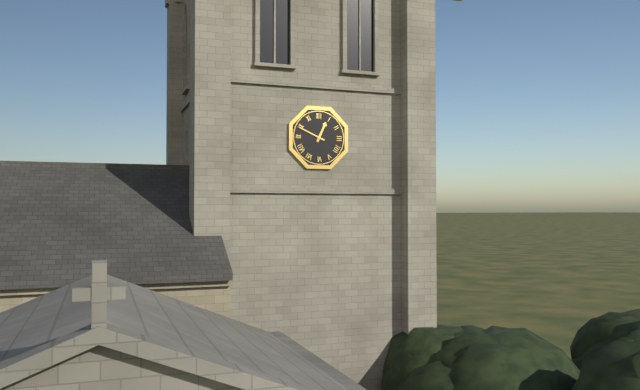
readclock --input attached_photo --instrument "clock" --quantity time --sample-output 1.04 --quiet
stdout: 12.49
